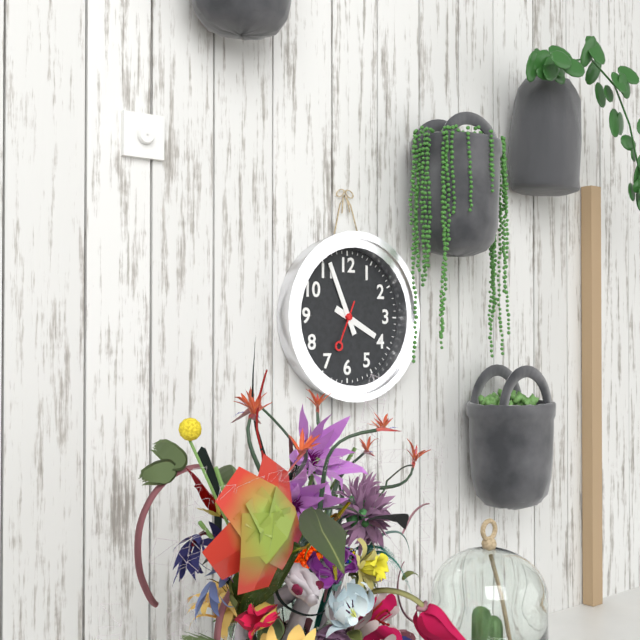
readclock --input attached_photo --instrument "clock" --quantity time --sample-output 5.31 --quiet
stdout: 3.56
